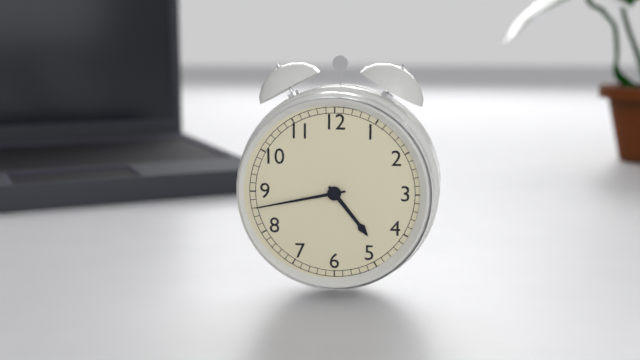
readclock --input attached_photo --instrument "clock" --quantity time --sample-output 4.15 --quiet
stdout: 4.43
